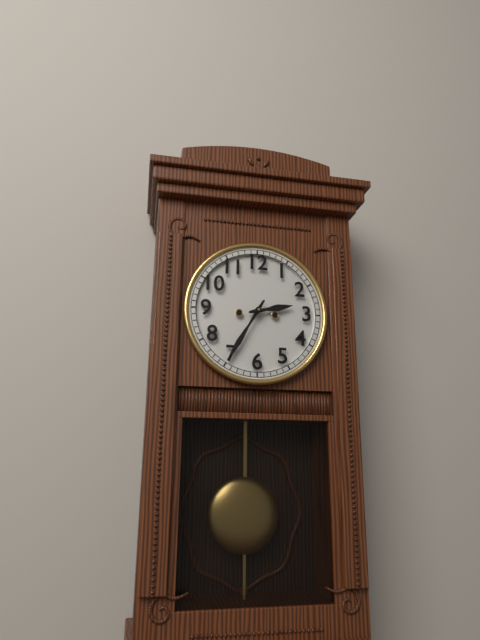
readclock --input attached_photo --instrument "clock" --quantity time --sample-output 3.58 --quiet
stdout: 2.35
